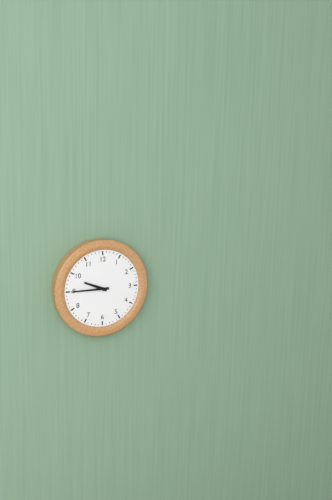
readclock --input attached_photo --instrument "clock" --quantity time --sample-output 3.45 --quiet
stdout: 9.45
